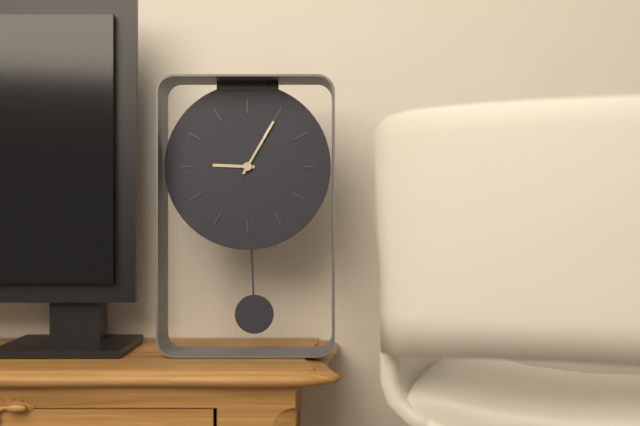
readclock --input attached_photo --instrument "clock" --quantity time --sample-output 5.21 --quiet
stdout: 9.05
